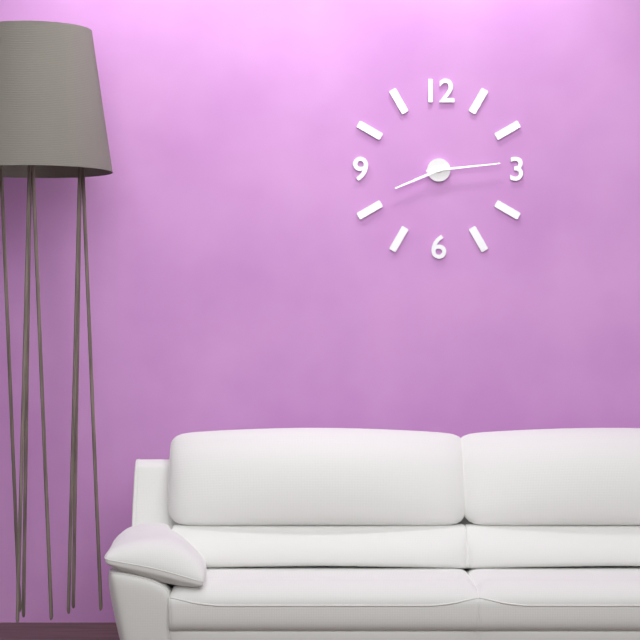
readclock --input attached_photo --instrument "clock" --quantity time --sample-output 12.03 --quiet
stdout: 8.14
